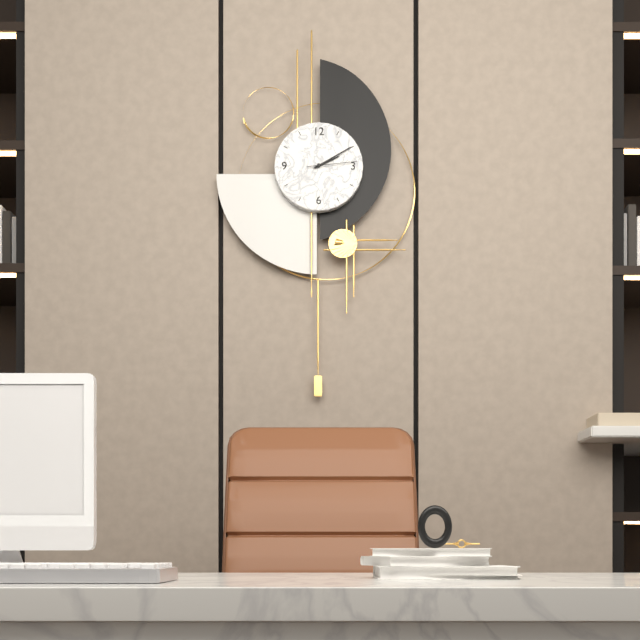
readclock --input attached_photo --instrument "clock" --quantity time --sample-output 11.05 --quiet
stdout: 2.10
